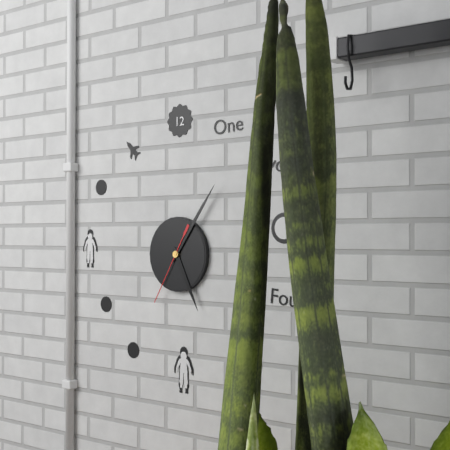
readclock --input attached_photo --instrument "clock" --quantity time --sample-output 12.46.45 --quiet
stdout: 5.06.35
